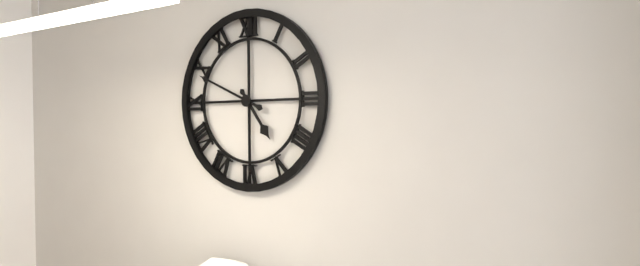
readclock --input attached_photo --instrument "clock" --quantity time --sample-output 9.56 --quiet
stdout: 4.49
